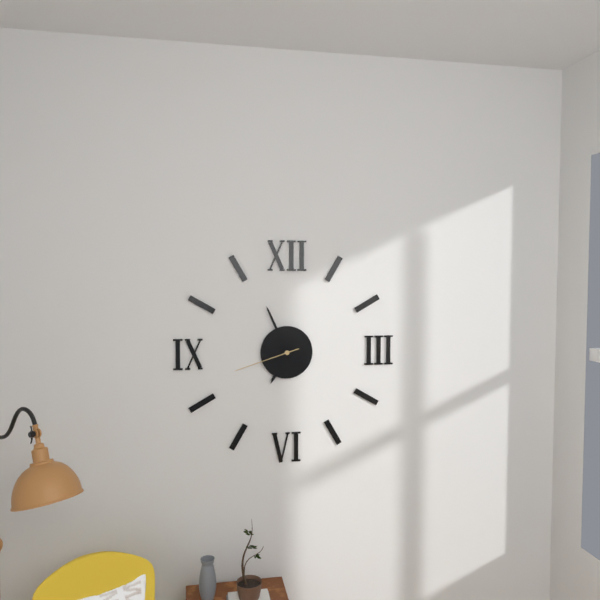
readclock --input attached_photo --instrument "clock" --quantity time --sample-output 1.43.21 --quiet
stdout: 6.56.42
